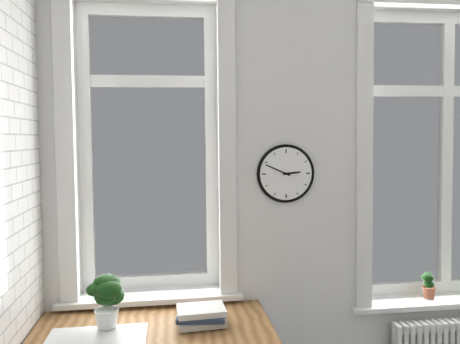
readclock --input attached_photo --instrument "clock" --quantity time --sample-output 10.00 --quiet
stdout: 2.49
